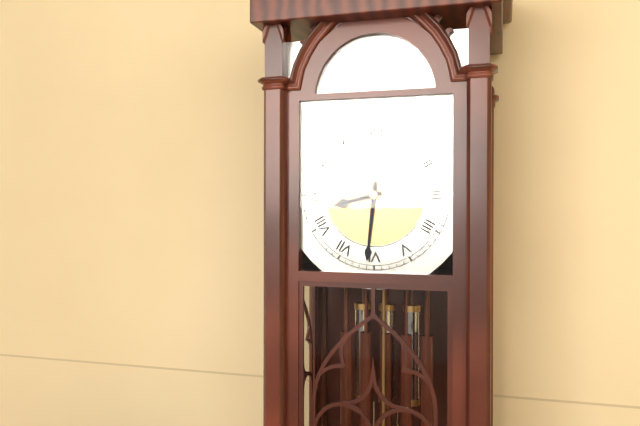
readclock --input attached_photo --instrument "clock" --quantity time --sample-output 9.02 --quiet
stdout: 8.31
